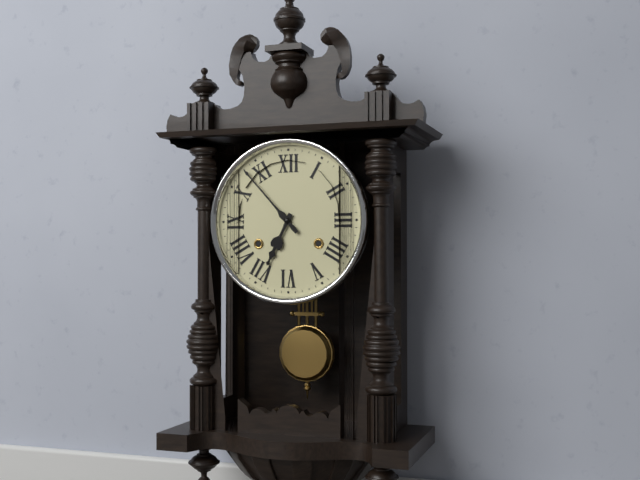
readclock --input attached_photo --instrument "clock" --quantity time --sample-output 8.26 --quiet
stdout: 6.53
